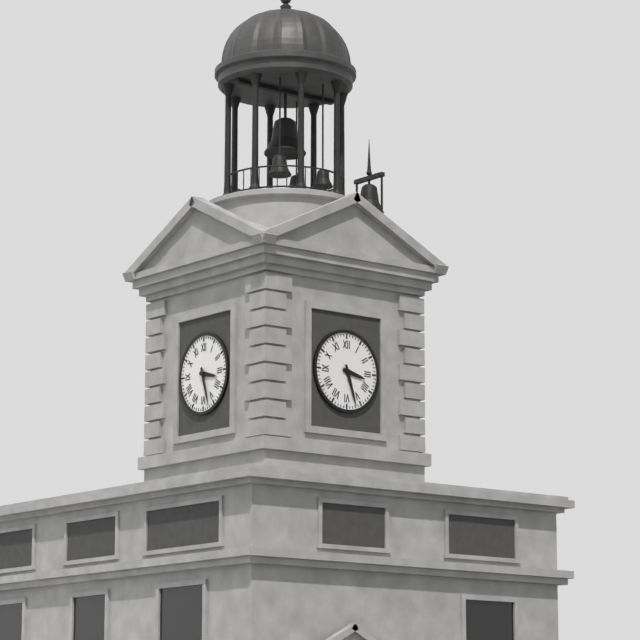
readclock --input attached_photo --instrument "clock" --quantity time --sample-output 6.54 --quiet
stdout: 3.27
